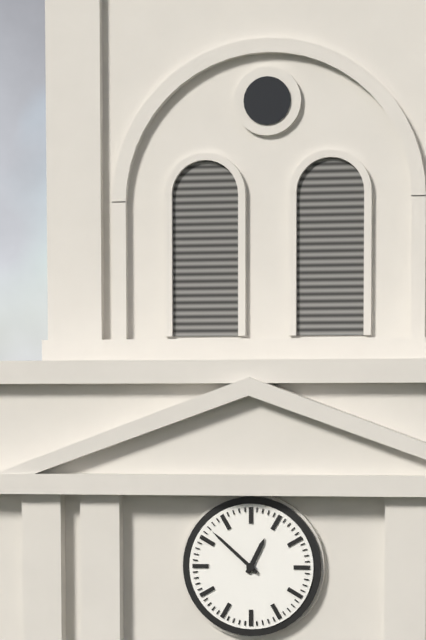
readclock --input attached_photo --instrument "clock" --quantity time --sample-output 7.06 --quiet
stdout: 12.52
